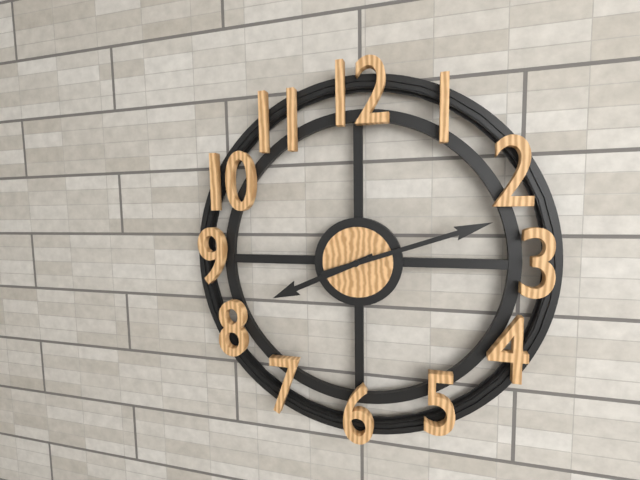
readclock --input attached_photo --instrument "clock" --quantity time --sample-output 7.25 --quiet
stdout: 8.12
